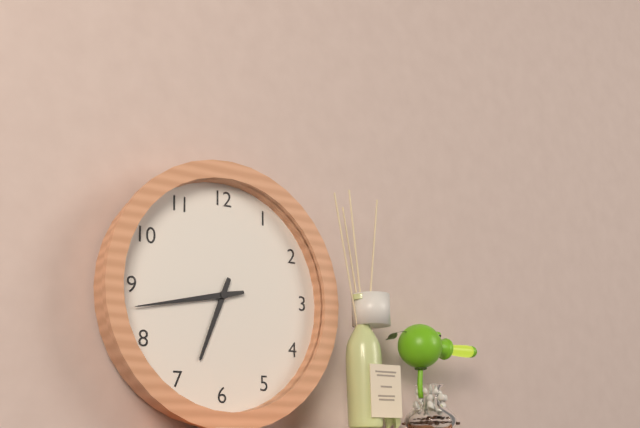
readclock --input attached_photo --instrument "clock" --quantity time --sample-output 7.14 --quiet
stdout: 6.43
